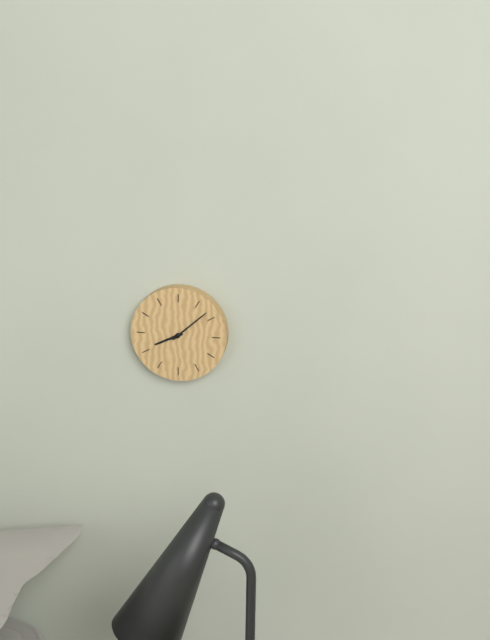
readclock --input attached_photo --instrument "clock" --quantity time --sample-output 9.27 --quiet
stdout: 8.08
